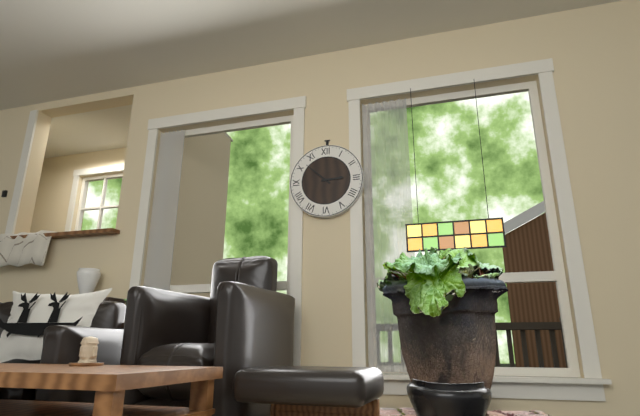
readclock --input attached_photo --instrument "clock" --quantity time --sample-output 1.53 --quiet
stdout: 2.52
